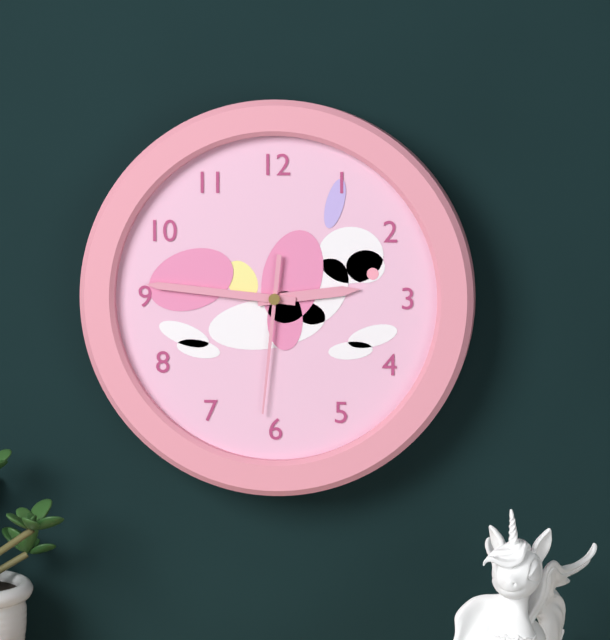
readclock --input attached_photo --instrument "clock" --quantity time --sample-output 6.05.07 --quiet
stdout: 2.46.31
